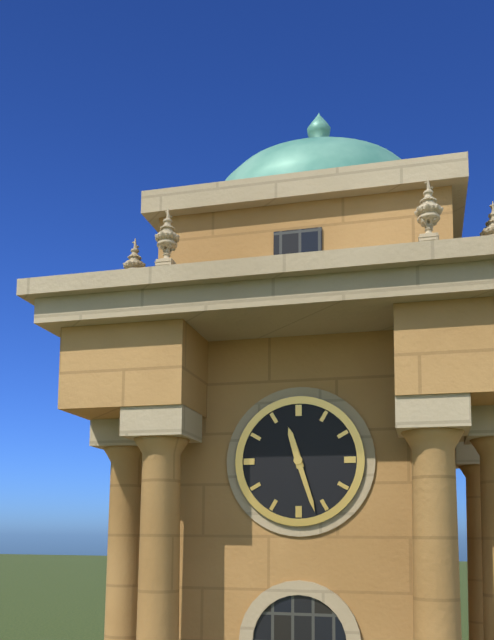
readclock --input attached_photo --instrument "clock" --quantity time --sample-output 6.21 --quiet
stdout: 11.27
